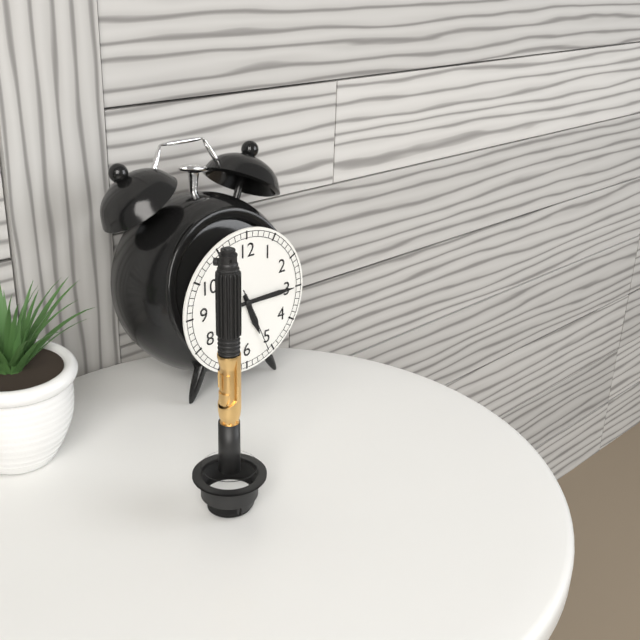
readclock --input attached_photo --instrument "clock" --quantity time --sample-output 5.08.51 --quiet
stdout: 5.15.26
